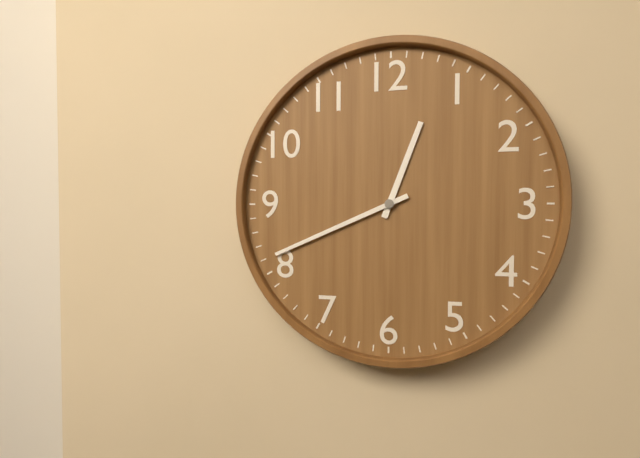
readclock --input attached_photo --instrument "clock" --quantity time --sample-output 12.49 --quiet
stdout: 12.41
